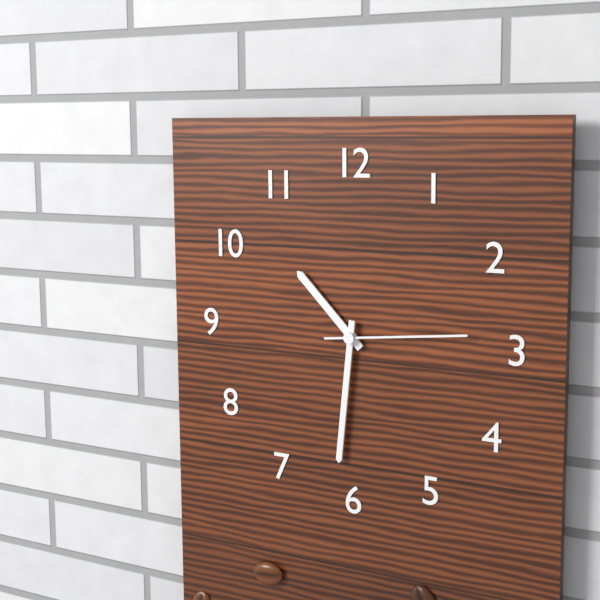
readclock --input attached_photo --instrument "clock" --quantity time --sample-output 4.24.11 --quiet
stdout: 10.31.14
